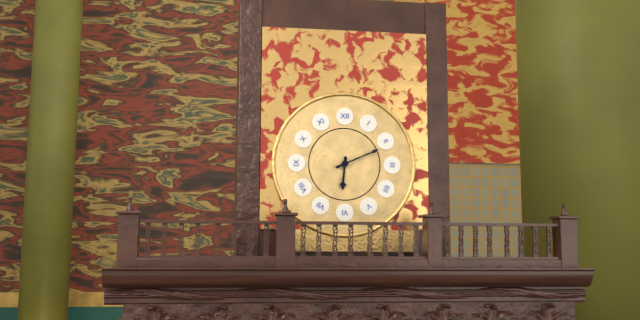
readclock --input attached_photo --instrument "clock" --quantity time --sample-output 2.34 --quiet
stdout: 6.11
